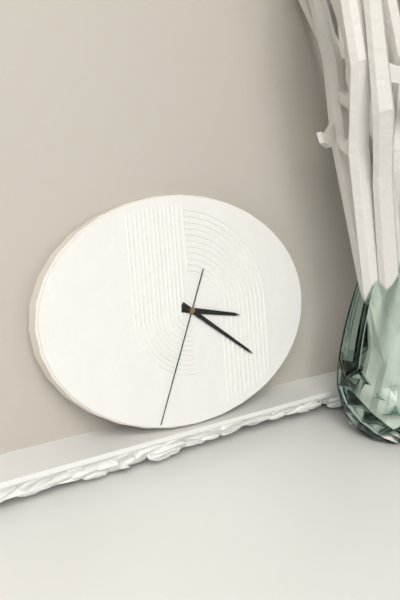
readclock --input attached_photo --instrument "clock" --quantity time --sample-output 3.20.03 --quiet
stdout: 3.21.34
